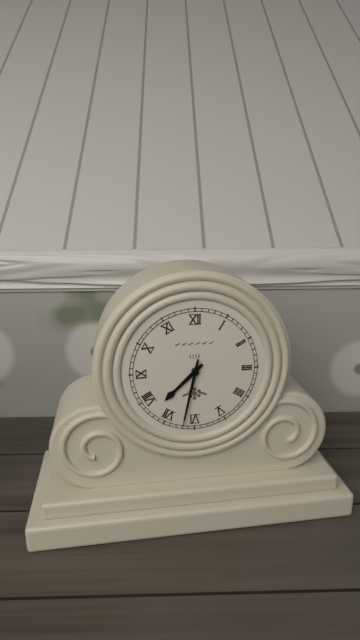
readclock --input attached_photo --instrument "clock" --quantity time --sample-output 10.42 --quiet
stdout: 7.32
